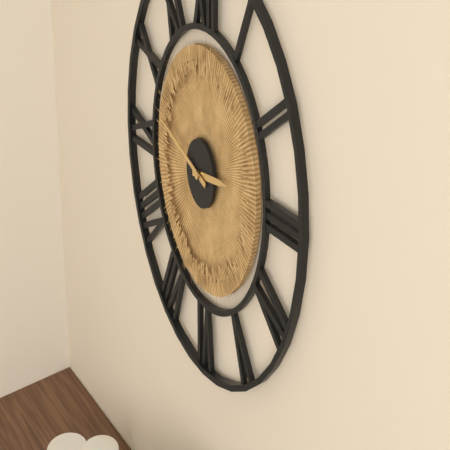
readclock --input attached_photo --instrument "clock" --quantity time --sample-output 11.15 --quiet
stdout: 2.48
